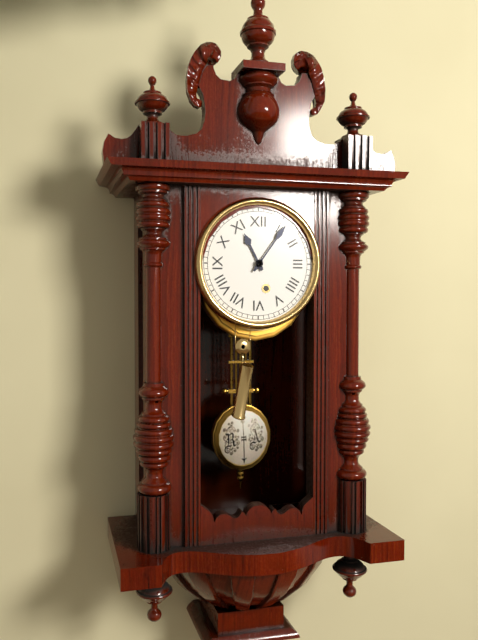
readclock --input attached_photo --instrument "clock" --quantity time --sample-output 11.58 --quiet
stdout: 11.06
